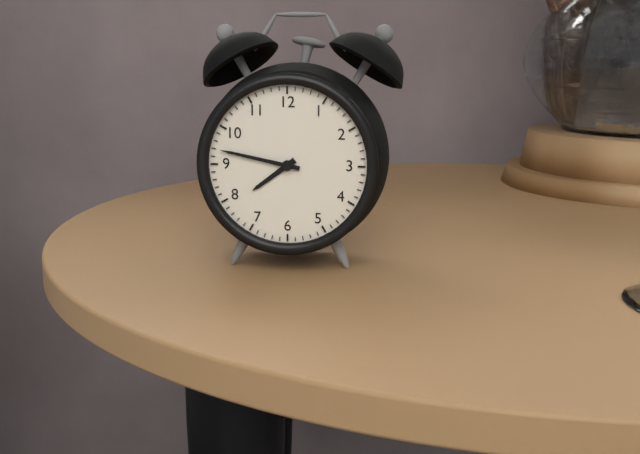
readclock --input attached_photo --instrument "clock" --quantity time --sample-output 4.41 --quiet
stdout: 7.47
